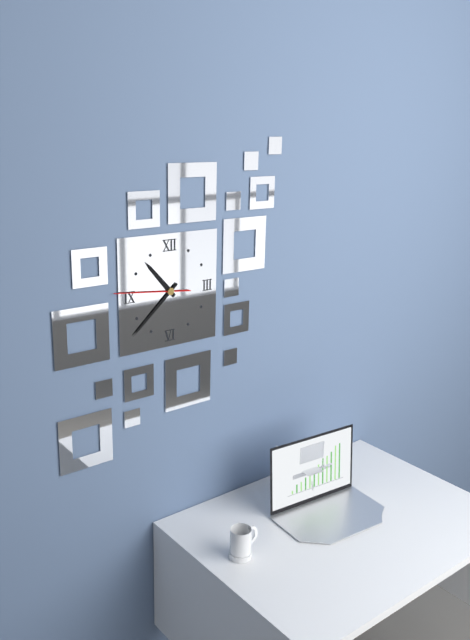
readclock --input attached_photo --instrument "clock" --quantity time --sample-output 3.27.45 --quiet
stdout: 10.38.46
